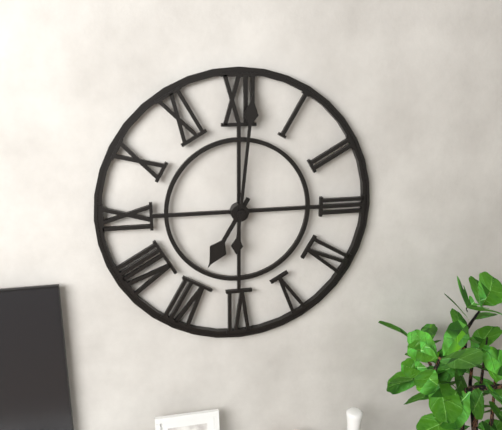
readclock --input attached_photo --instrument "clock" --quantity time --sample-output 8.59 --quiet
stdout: 7.01
